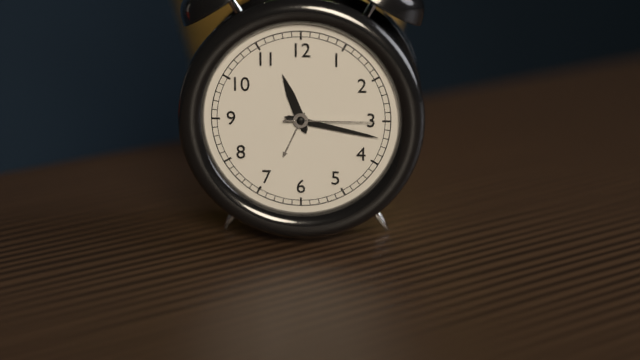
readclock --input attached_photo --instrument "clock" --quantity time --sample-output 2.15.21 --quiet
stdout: 11.17.15
